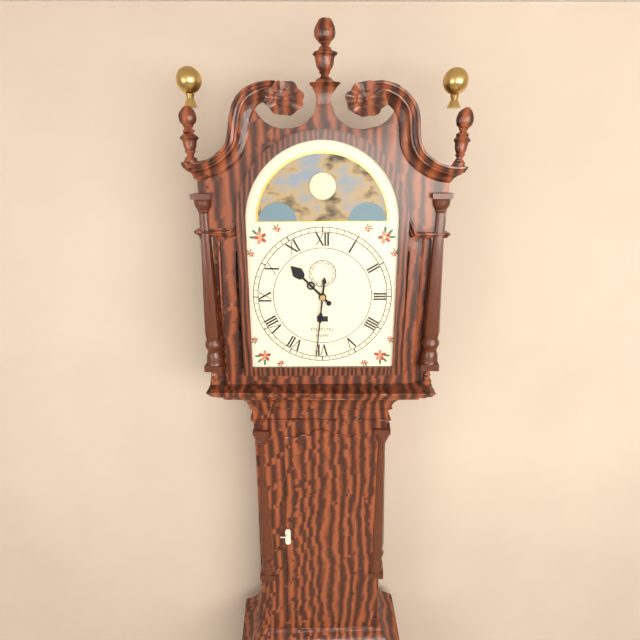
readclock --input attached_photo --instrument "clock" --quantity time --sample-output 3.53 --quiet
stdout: 10.31
